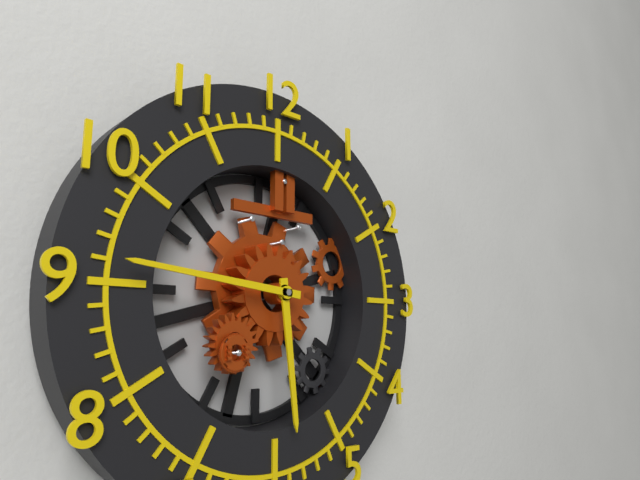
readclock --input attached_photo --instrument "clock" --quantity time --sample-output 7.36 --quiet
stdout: 5.46
